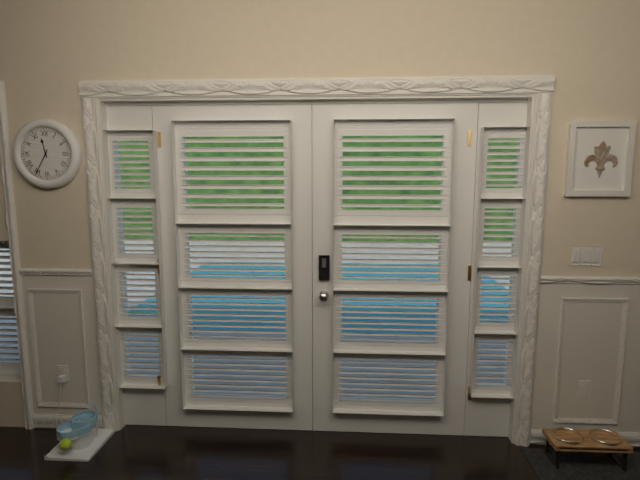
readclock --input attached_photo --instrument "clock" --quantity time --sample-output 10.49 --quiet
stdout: 11.35
